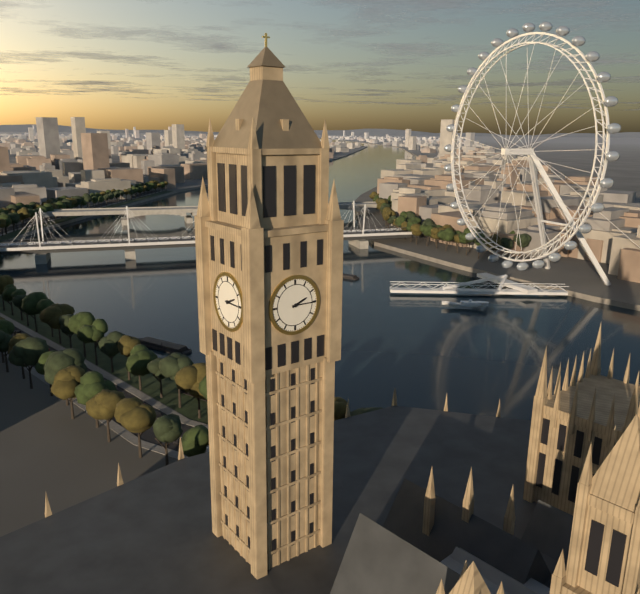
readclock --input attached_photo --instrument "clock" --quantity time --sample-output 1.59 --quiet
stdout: 2.15
